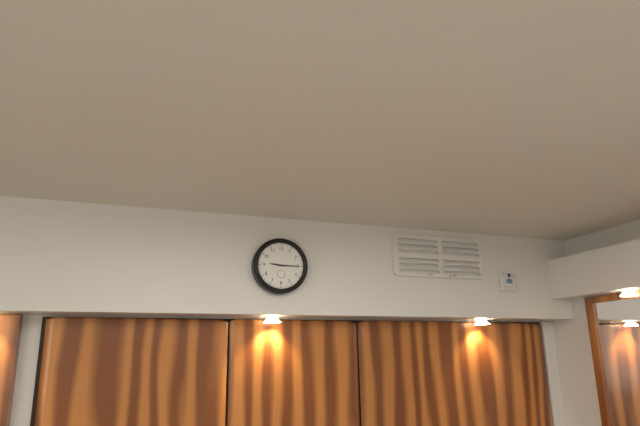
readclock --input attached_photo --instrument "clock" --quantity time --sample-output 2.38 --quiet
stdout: 9.15
